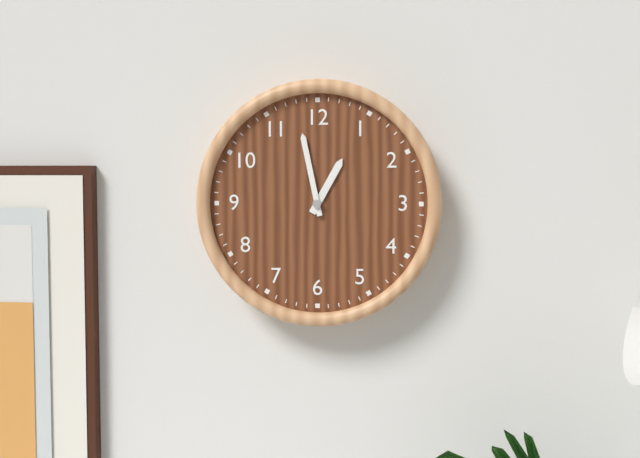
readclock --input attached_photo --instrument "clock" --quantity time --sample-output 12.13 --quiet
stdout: 12.58
